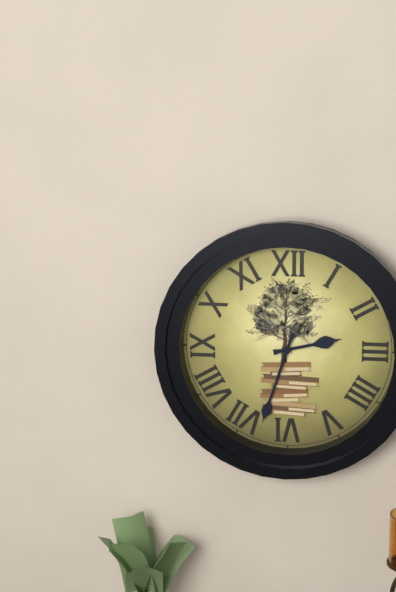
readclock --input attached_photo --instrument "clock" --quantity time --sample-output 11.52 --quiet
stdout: 2.33
